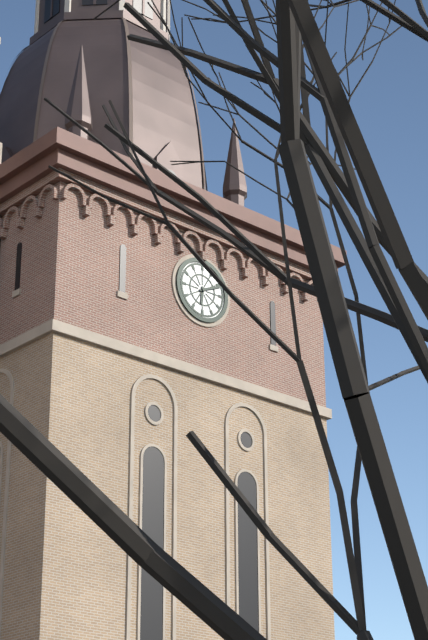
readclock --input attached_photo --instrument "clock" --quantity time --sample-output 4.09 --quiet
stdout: 6.11
